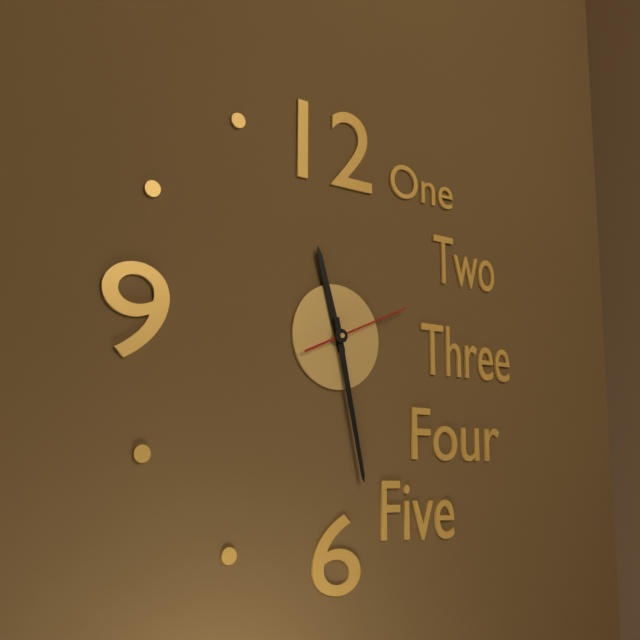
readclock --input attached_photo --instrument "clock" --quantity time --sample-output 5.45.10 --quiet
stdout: 11.28.11
